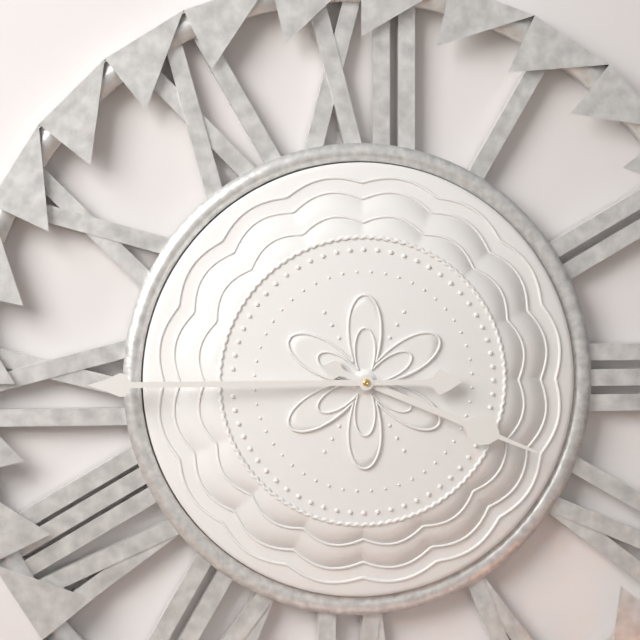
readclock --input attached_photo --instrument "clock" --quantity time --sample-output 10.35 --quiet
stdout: 3.45
